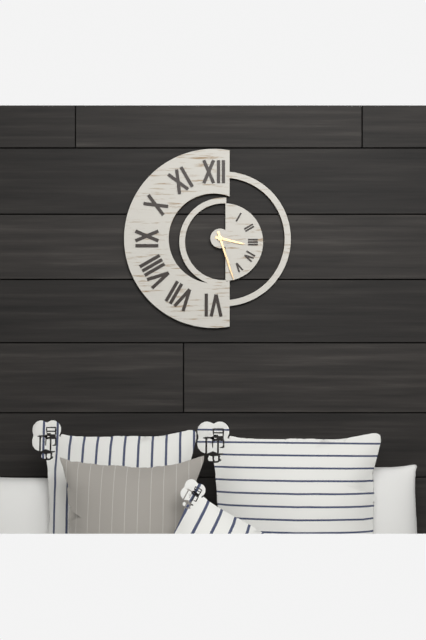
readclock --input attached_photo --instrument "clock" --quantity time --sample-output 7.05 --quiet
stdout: 3.27
